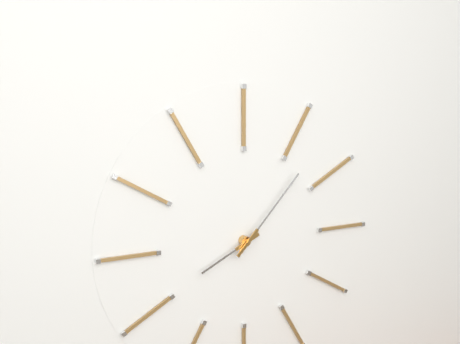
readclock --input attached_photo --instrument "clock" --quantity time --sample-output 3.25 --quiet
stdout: 8.07
